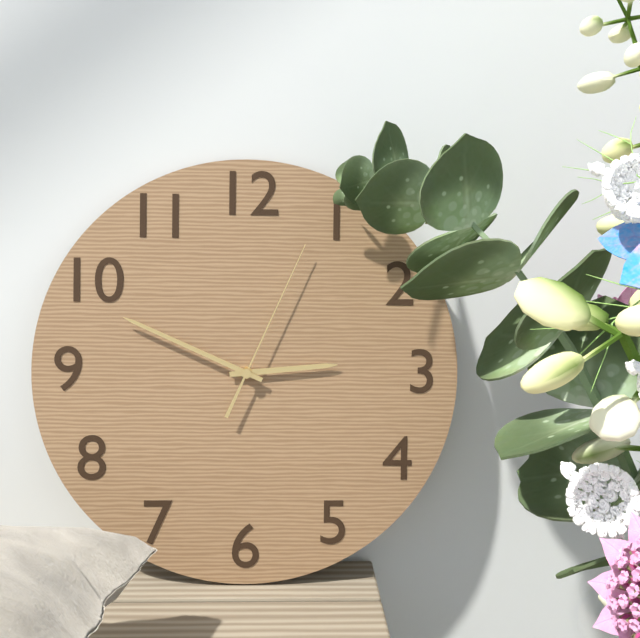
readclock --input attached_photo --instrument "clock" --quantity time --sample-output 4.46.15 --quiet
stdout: 2.49.04
